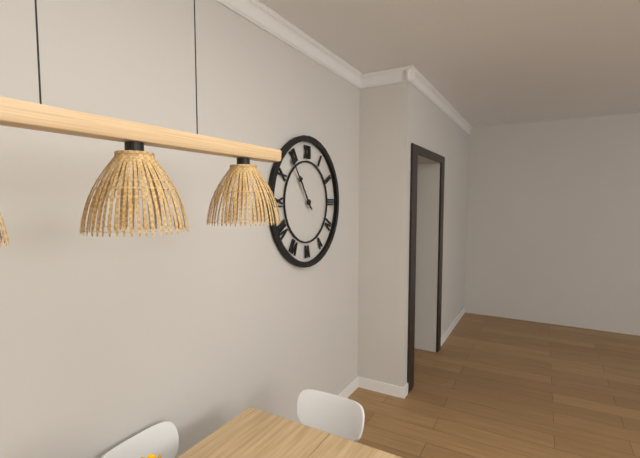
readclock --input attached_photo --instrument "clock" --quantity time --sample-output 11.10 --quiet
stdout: 10.54
